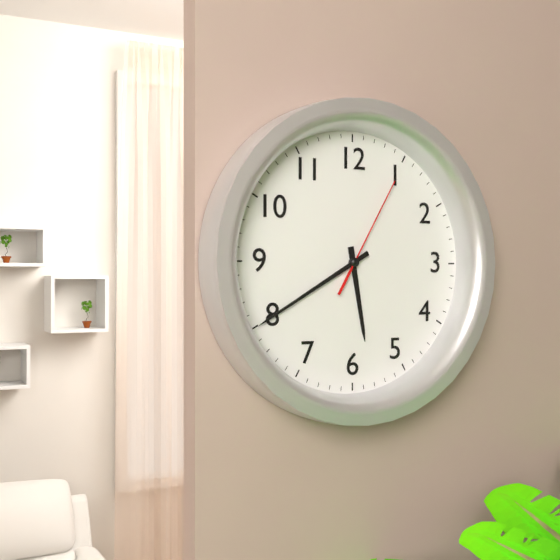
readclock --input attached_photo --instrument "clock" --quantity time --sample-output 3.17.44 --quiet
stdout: 5.40.05
